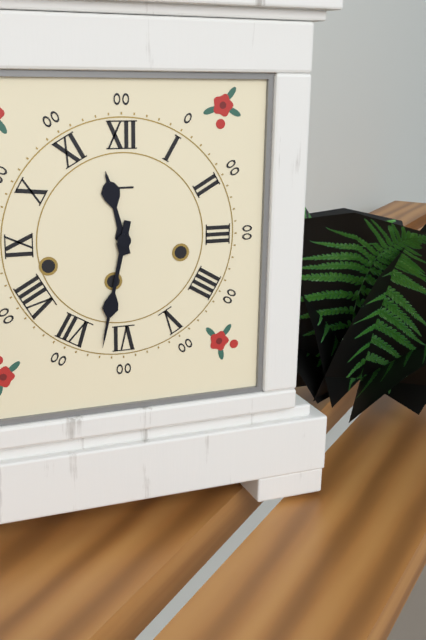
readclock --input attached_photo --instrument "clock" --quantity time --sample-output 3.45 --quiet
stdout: 11.32
